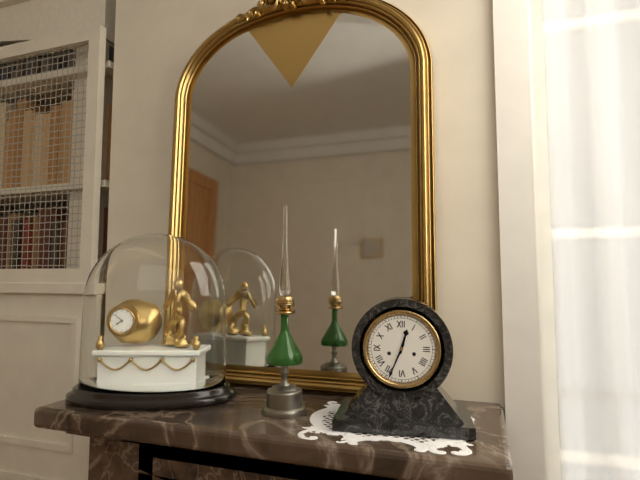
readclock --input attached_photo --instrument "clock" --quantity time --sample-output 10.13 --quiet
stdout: 12.34
